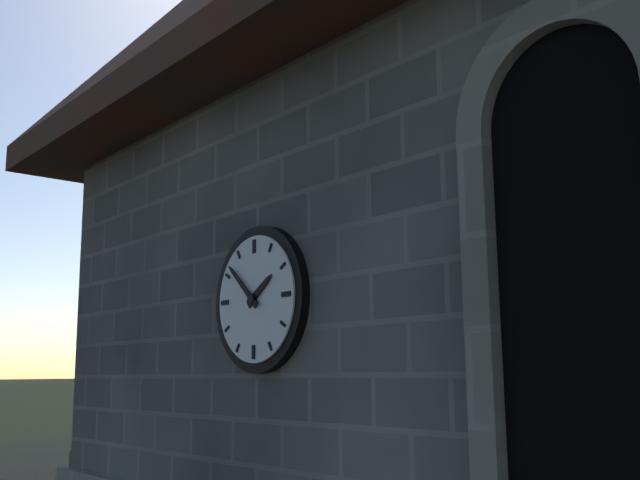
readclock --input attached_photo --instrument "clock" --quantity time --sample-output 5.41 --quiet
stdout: 1.52
